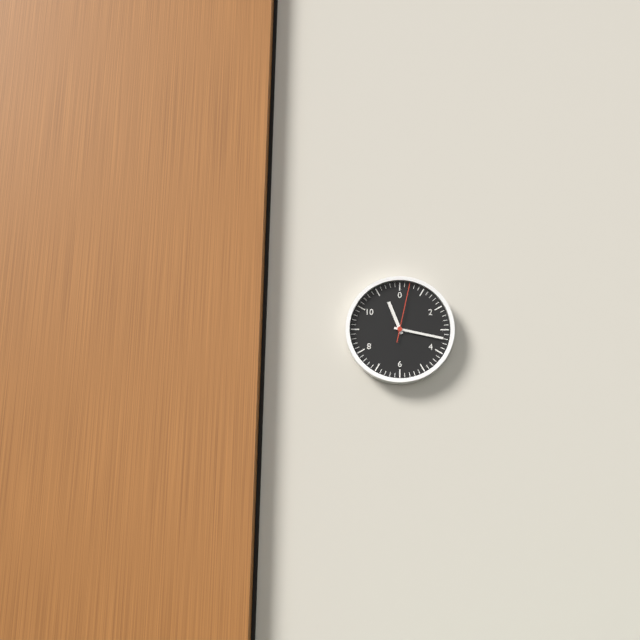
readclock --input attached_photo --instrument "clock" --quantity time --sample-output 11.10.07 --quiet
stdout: 11.17.02
